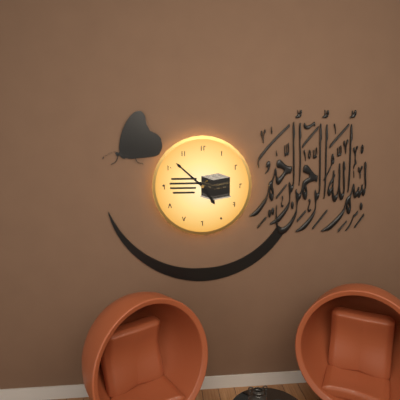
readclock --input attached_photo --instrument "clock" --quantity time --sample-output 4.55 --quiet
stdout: 4.52
